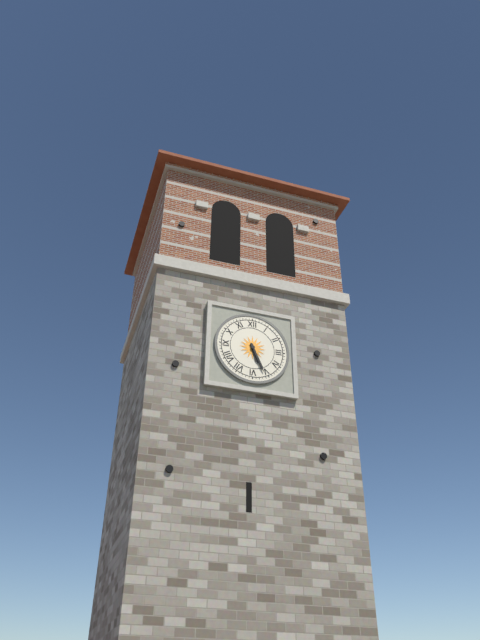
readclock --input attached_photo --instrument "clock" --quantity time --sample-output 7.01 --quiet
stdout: 5.26
